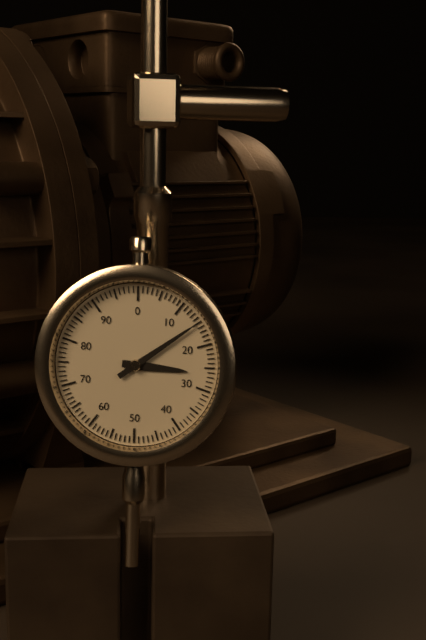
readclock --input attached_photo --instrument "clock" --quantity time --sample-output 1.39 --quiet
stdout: 3.09
